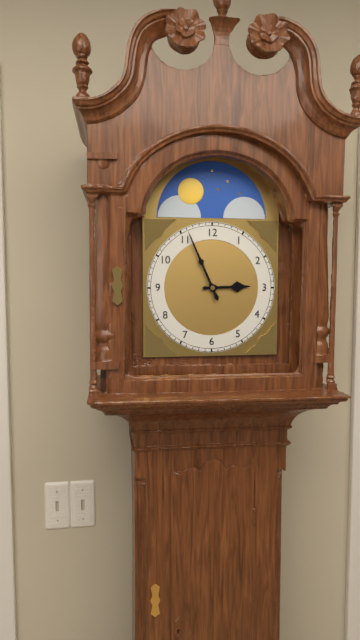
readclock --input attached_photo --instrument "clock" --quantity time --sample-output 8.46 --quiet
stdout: 2.56
